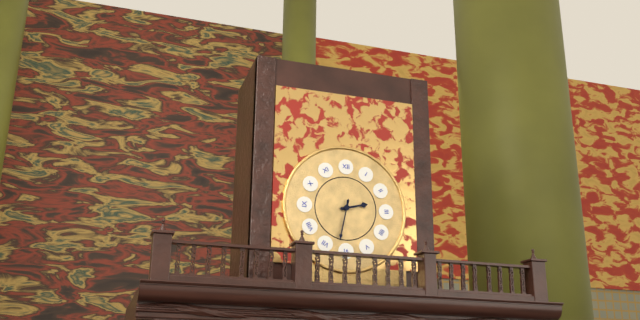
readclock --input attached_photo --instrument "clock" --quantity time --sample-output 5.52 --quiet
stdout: 2.32
